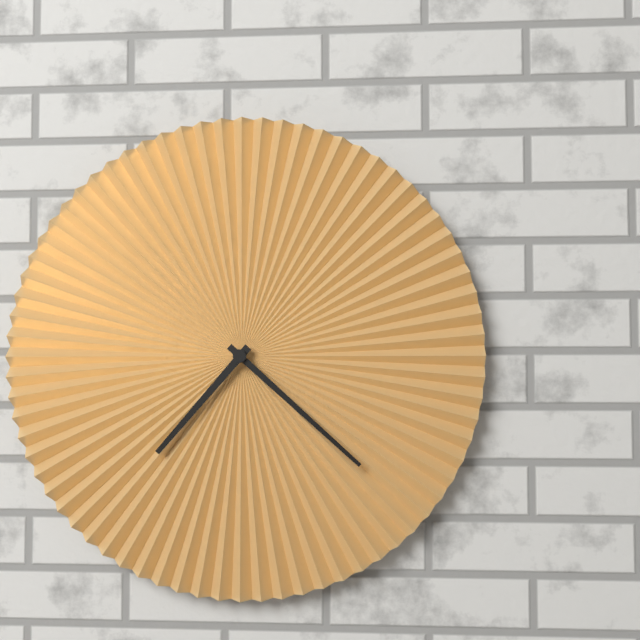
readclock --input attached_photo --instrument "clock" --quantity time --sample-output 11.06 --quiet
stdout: 7.22
